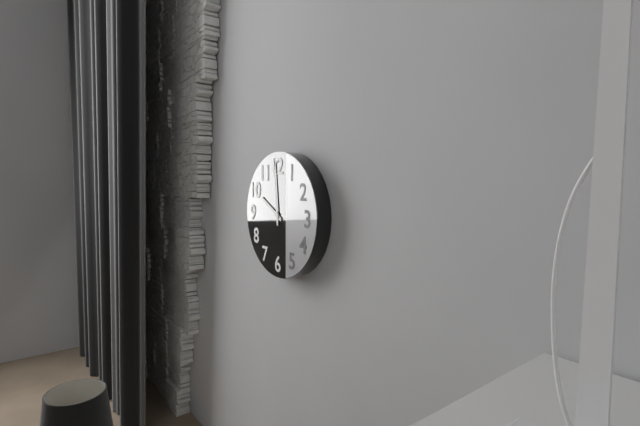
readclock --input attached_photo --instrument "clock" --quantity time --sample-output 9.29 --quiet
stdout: 9.59
